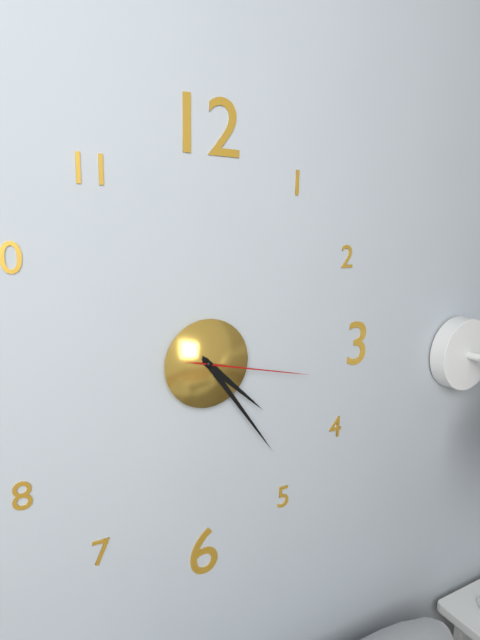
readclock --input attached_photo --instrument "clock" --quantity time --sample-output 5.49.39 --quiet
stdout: 4.24.17
